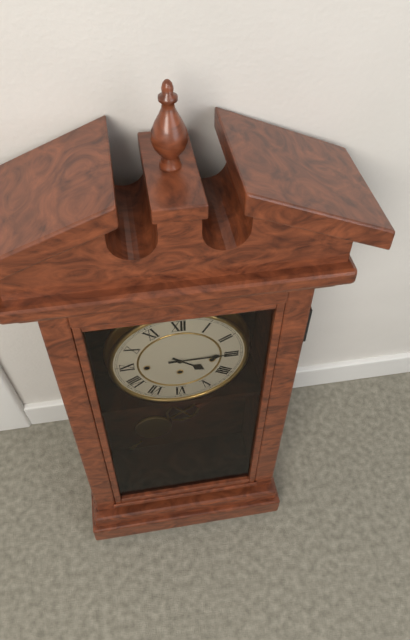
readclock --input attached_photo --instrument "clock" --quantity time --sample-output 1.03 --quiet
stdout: 4.15
